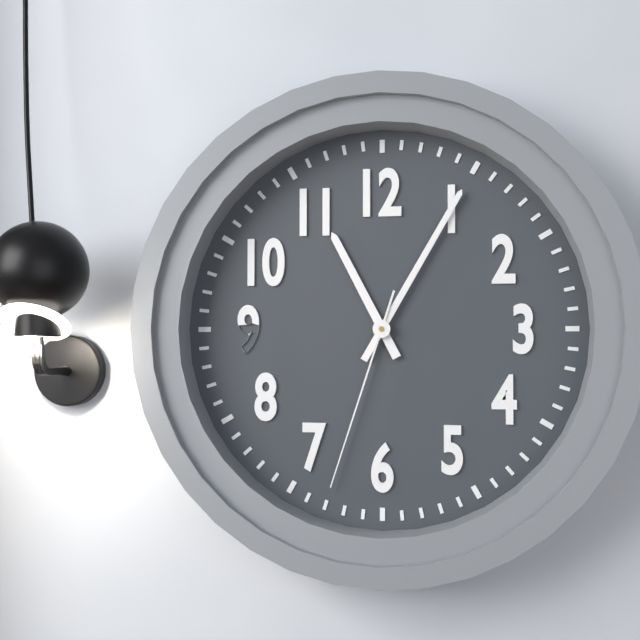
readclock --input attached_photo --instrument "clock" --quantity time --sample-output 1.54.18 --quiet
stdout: 11.05.33
